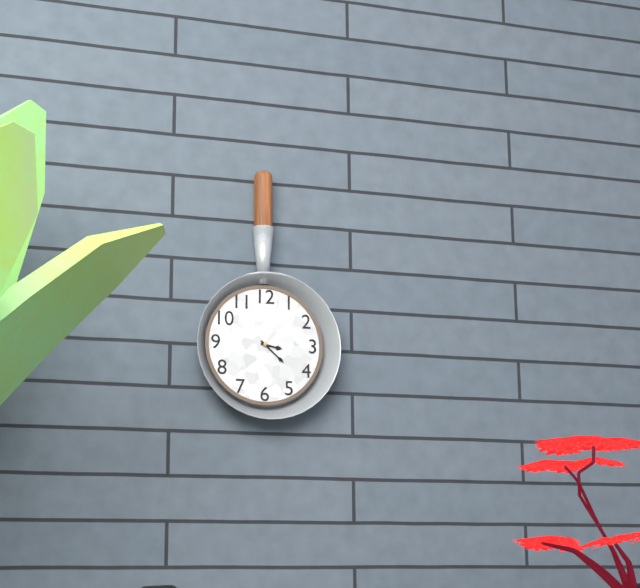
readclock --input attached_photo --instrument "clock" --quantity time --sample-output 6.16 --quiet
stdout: 3.22
